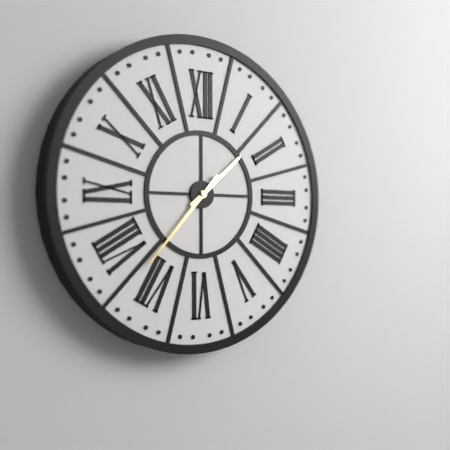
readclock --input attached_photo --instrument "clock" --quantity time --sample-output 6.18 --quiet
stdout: 1.37
